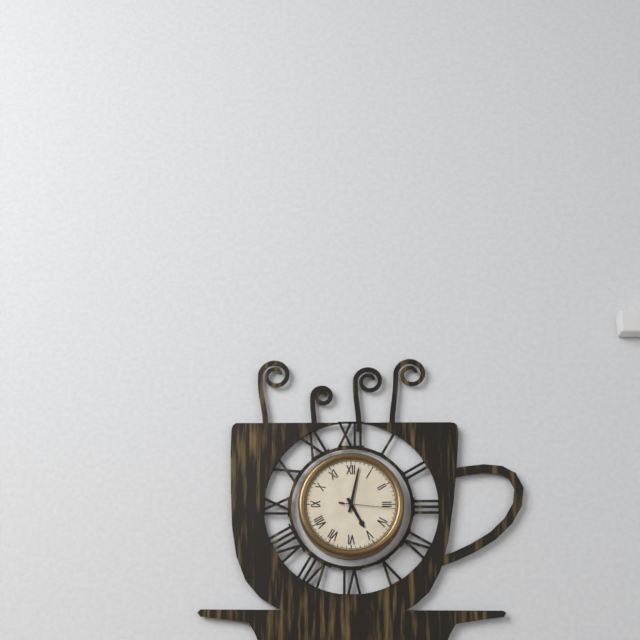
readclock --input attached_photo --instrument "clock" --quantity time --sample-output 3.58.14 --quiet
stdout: 5.02.16
